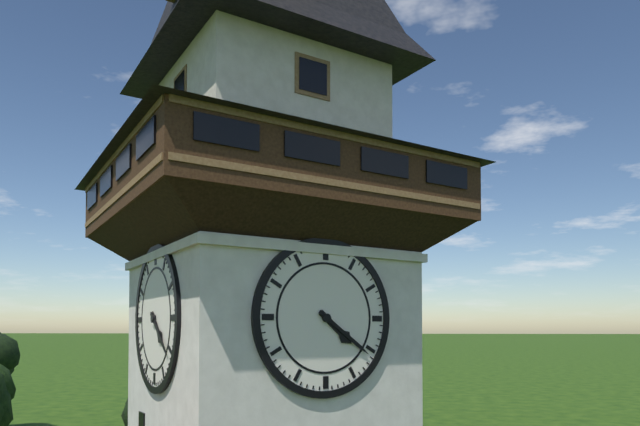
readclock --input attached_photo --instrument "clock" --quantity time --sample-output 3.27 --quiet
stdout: 4.21
